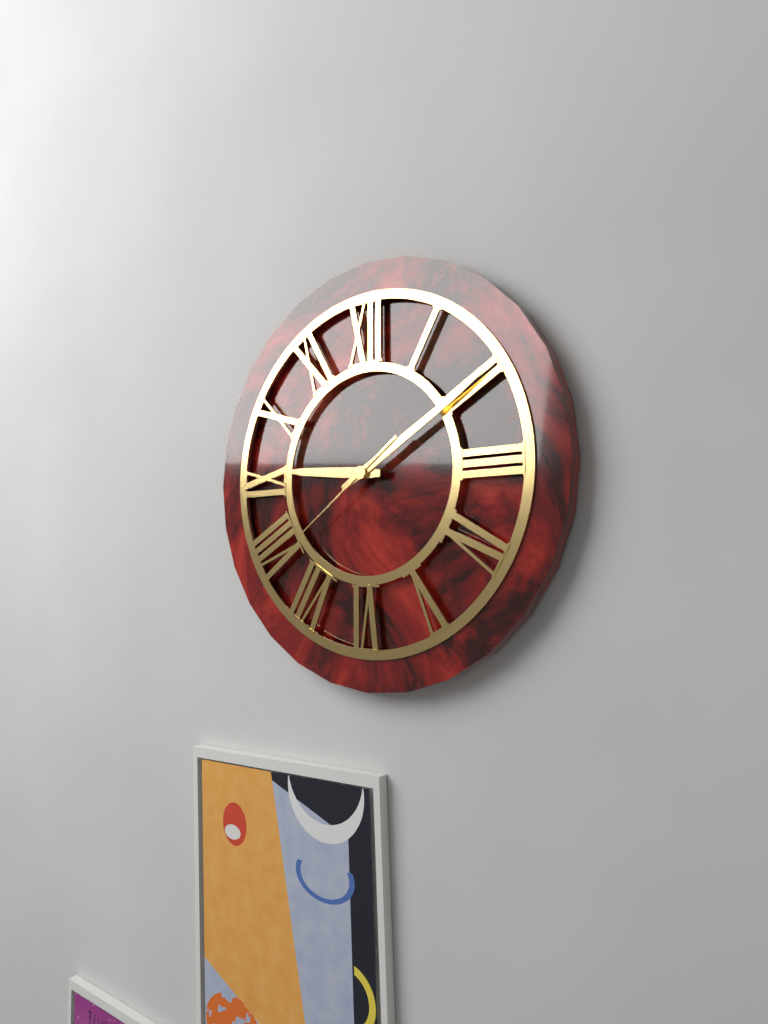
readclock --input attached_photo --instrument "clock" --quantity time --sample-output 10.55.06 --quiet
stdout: 9.10.39
